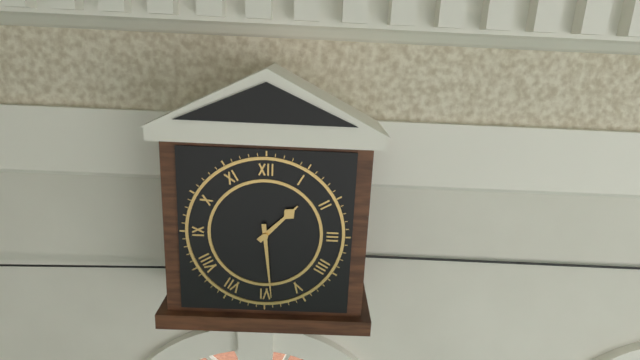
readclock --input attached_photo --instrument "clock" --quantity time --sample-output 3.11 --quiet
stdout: 1.29
